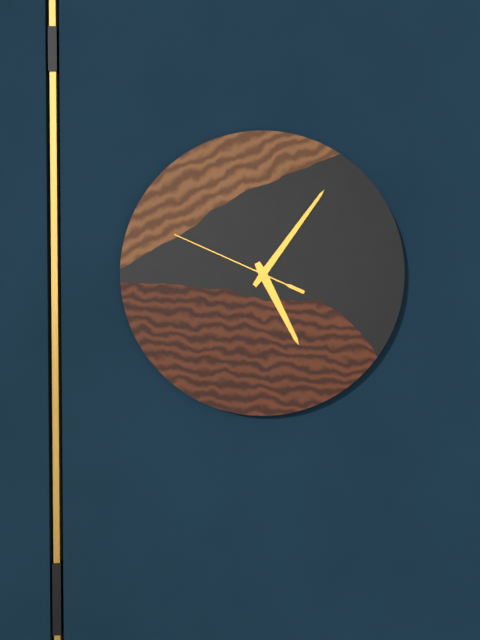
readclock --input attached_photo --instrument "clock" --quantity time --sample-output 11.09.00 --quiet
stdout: 5.06.49
